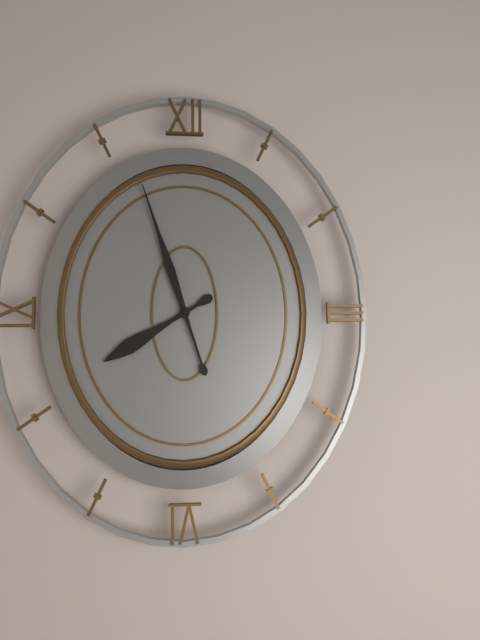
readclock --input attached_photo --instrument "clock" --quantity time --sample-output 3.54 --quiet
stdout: 7.57
